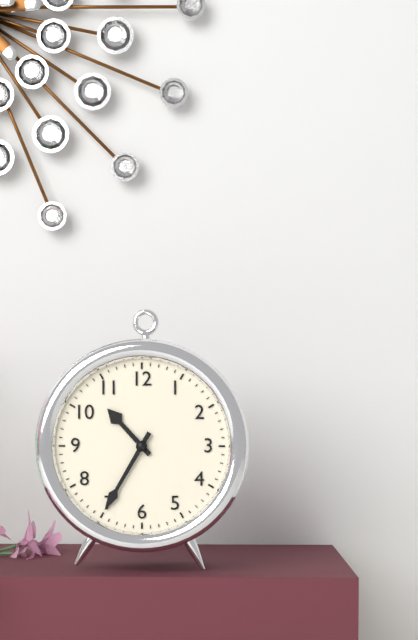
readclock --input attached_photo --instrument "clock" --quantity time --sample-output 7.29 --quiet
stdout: 10.35
